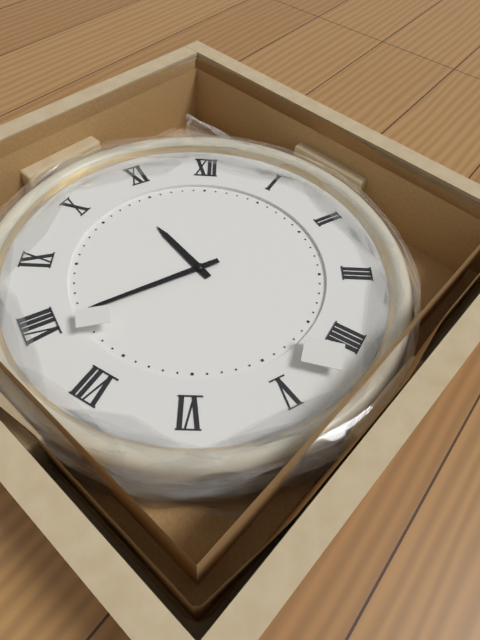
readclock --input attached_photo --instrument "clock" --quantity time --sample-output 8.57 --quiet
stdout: 10.40
